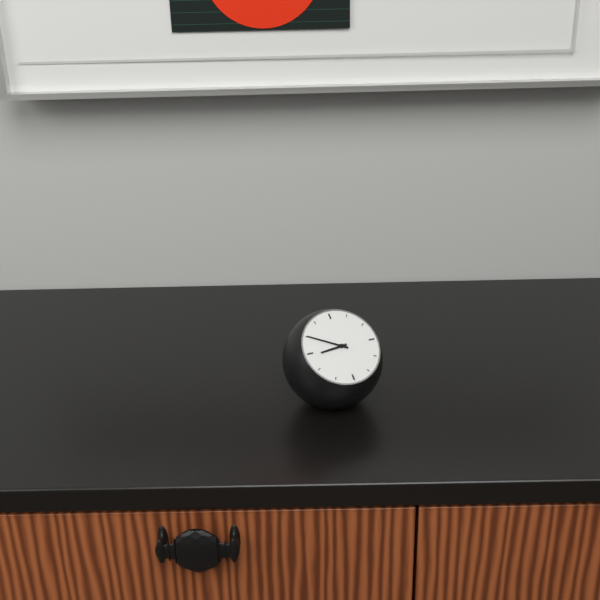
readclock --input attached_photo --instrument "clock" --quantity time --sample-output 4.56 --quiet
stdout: 8.50
